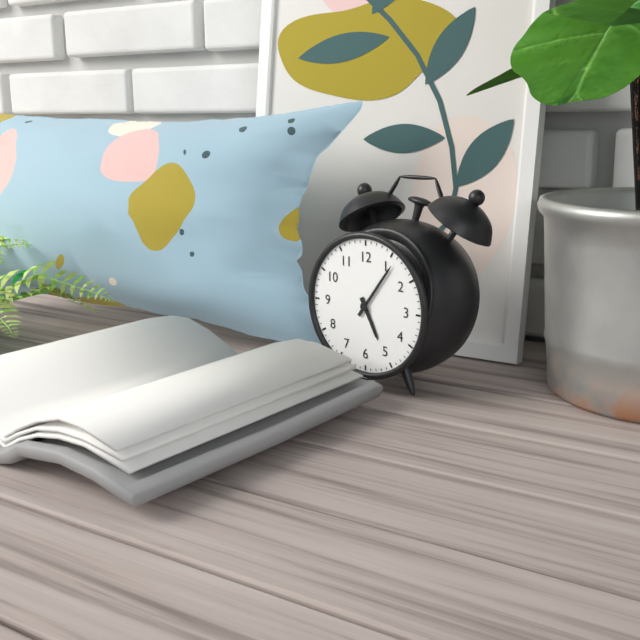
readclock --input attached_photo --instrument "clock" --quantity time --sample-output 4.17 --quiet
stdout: 5.06
